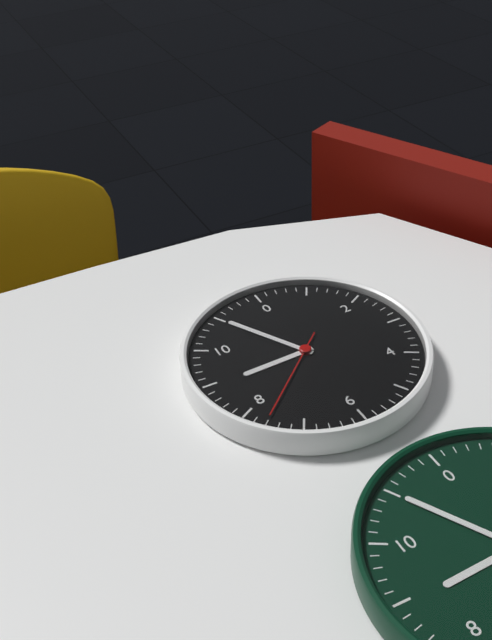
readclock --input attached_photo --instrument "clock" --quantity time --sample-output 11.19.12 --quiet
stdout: 8.55.38
